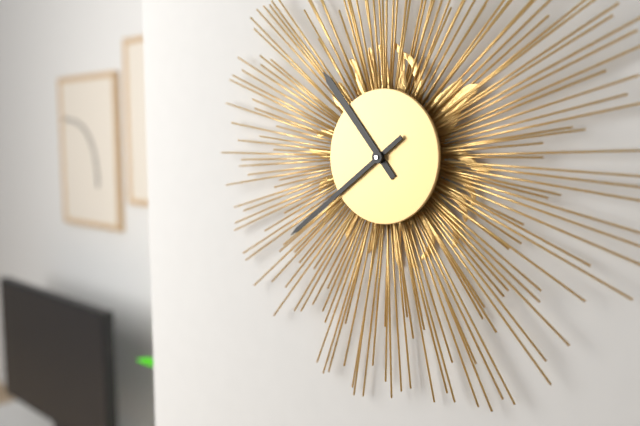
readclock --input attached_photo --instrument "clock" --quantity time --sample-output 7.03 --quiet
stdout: 10.39
